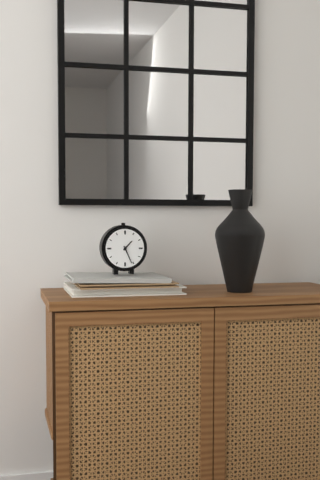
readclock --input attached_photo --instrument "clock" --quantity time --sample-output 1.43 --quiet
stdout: 1.26
